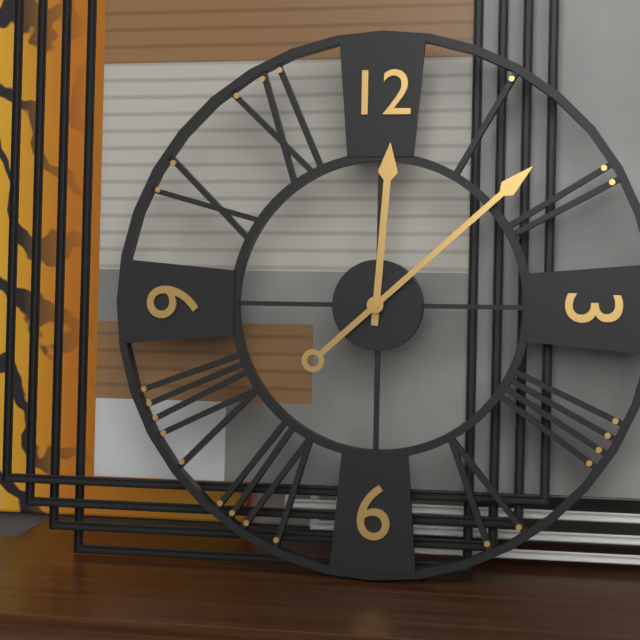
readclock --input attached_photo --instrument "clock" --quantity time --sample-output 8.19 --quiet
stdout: 12.08
